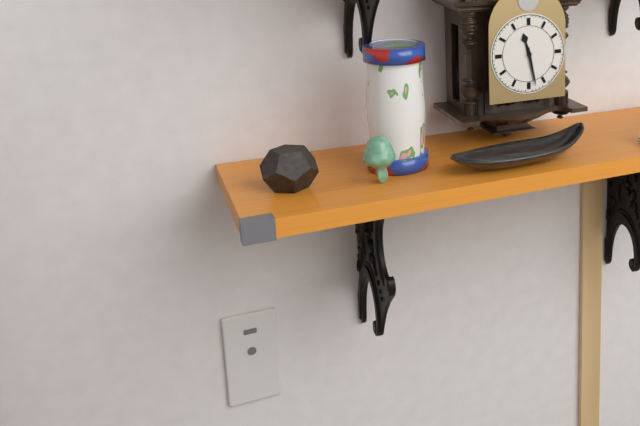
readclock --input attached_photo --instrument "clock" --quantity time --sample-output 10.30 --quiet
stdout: 11.28
